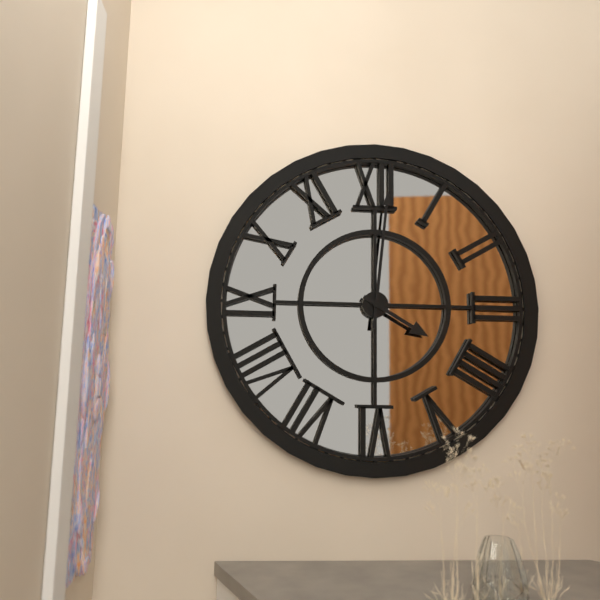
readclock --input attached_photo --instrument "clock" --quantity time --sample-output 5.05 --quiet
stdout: 4.01
